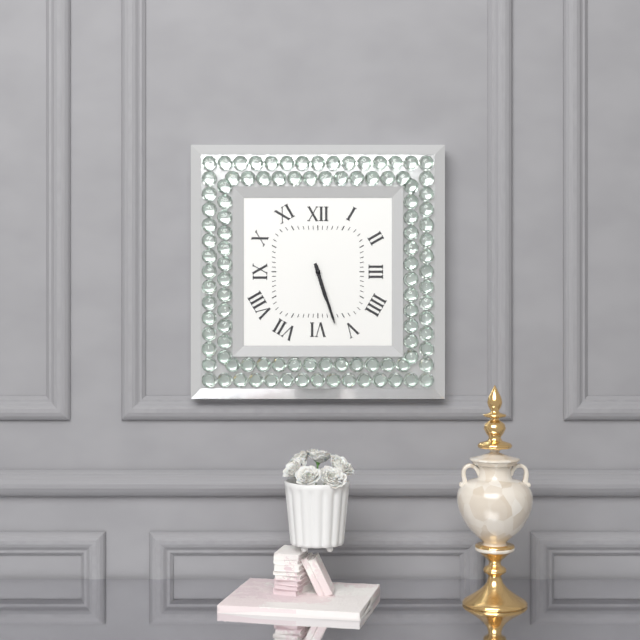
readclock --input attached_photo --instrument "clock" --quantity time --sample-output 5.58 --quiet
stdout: 5.27
